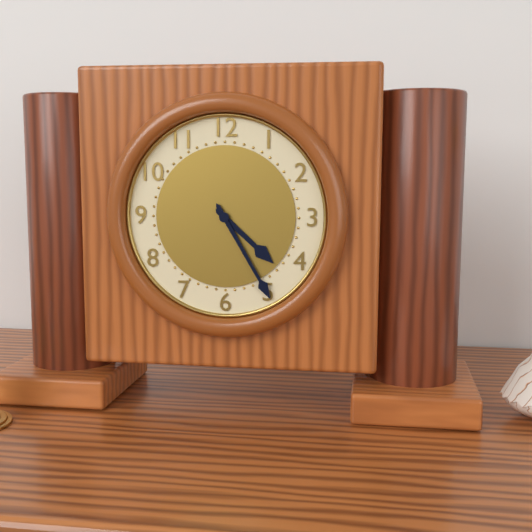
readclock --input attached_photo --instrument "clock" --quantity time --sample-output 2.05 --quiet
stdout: 4.25
